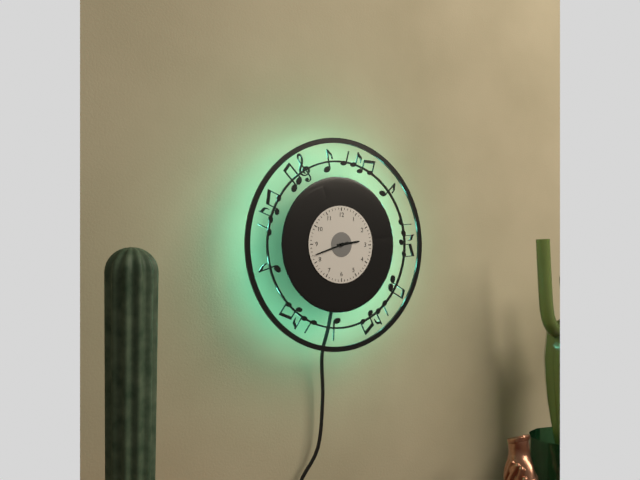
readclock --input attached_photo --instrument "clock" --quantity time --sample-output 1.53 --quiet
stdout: 2.42
